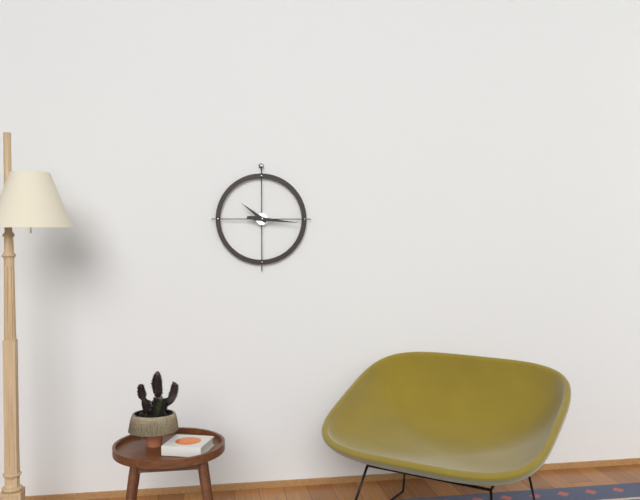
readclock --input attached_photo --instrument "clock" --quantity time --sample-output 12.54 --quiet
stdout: 10.16
